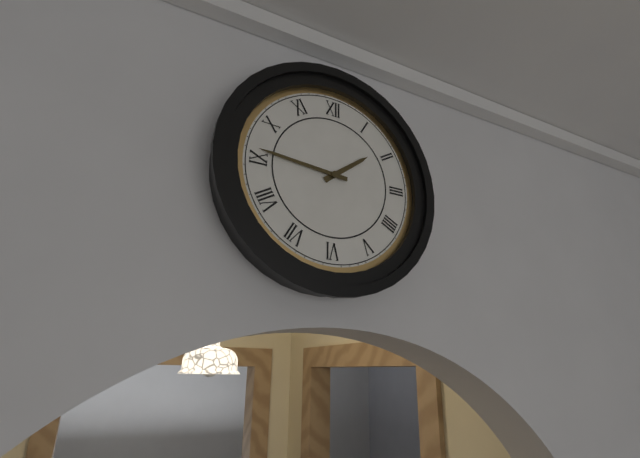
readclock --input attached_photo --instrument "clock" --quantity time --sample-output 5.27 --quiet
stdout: 1.46
